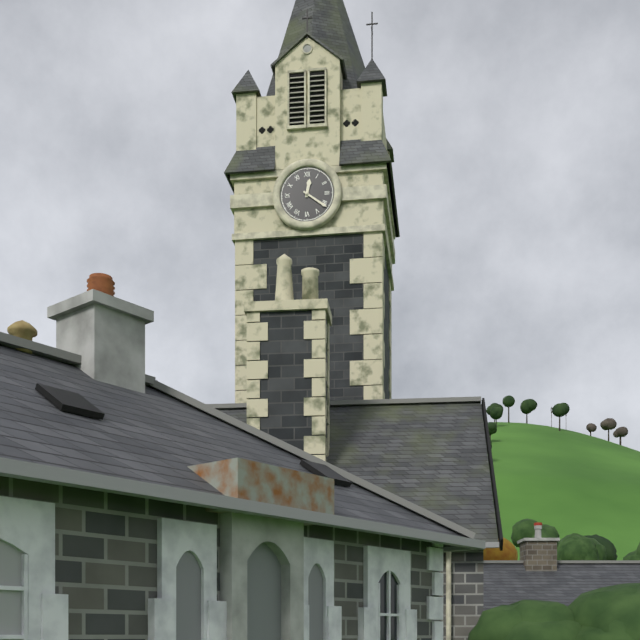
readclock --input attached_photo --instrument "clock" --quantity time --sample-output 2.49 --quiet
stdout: 12.21
